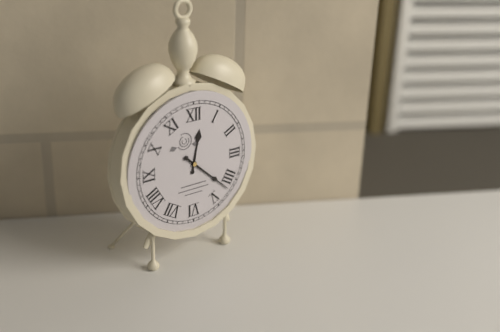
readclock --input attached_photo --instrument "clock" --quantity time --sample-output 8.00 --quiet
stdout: 12.22
